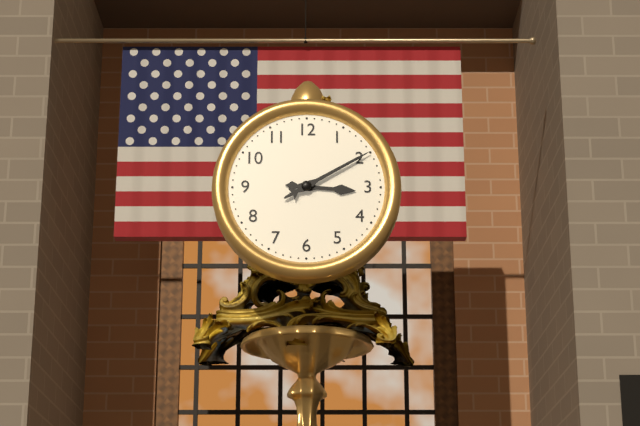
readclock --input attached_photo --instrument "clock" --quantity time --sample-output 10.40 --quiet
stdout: 3.10
